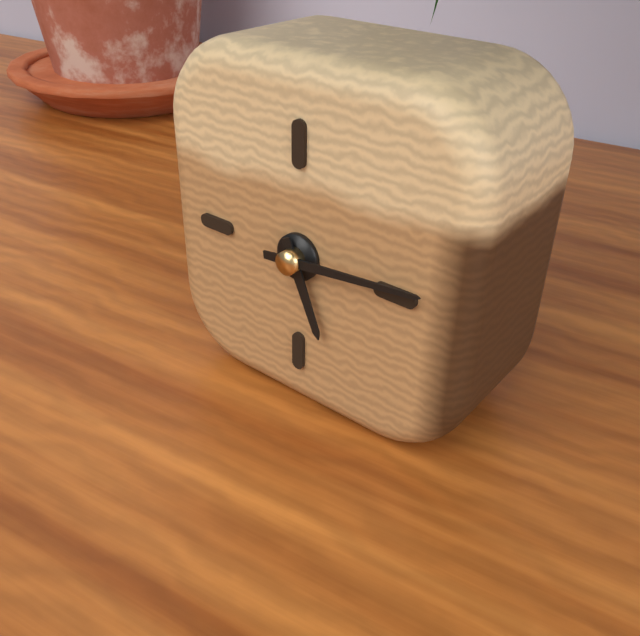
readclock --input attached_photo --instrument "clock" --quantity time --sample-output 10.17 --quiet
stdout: 5.14
